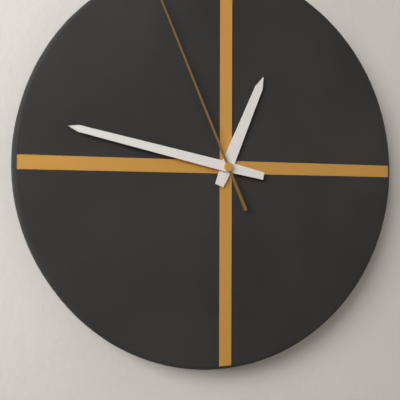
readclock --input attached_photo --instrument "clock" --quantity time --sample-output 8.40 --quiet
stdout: 12.47
